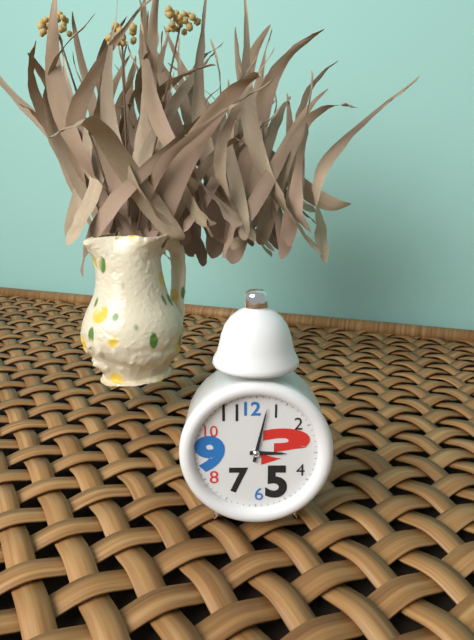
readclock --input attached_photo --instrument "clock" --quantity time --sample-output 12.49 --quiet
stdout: 3.02
